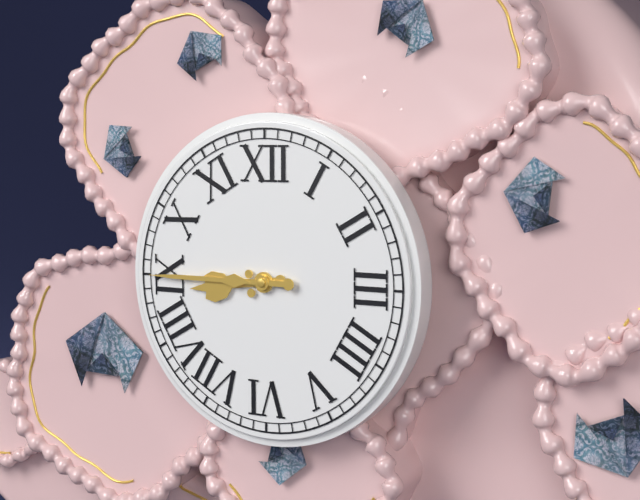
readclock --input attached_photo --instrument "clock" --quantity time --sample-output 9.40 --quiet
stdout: 8.45
